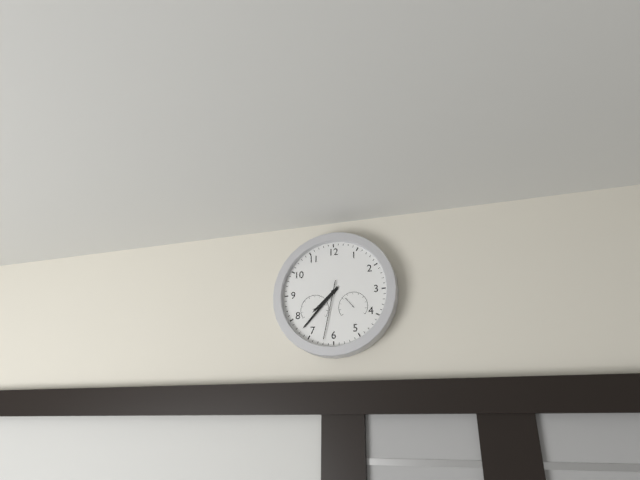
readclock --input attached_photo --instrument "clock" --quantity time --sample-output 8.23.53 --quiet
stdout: 7.37.32
